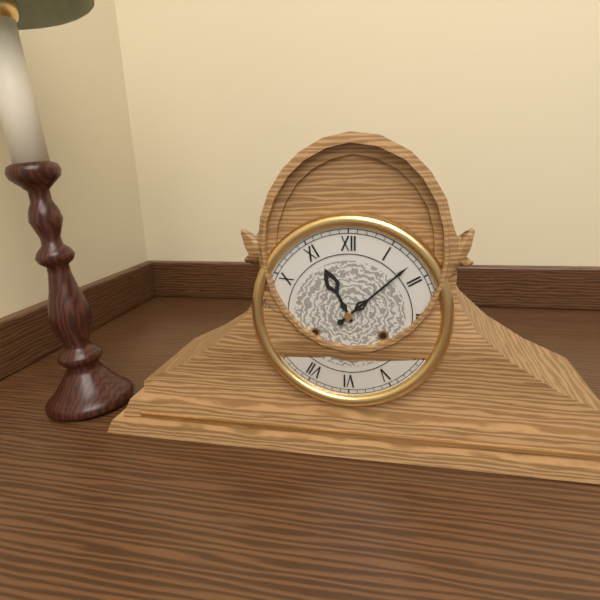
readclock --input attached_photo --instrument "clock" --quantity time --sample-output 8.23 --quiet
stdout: 11.08
